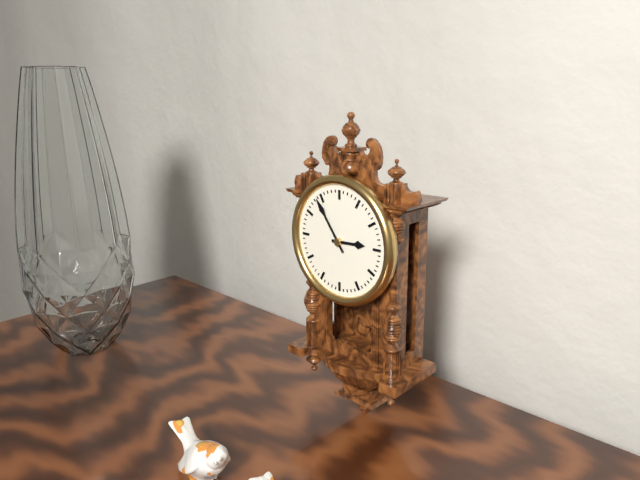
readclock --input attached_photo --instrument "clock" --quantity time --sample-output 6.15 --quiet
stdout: 2.54
